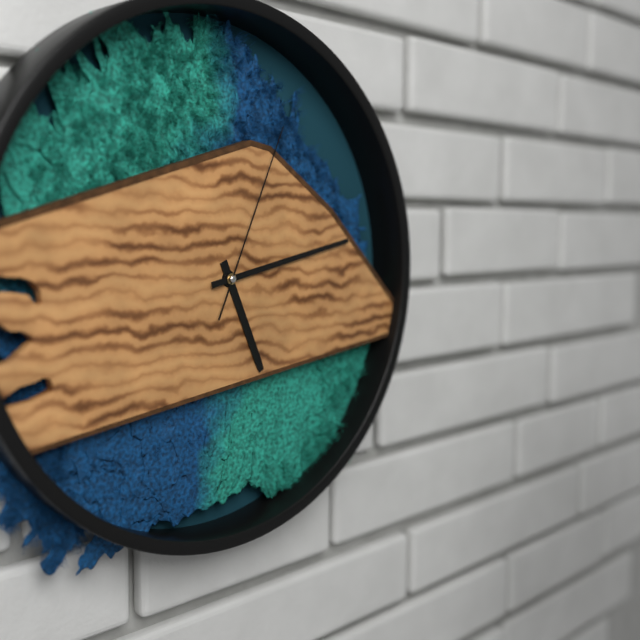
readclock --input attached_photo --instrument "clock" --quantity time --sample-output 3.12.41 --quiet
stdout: 5.13.04
